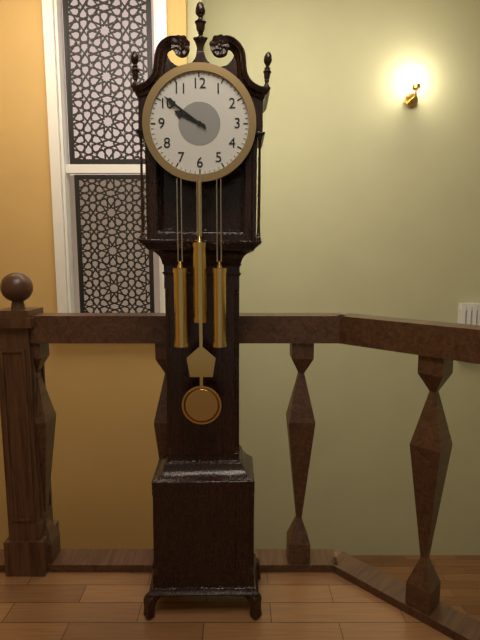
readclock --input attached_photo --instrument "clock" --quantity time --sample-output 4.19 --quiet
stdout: 9.51
